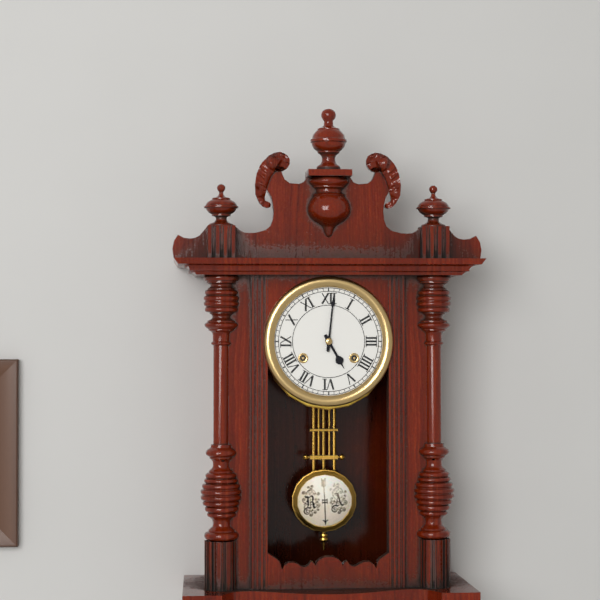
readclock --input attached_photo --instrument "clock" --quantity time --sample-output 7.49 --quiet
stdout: 5.01
